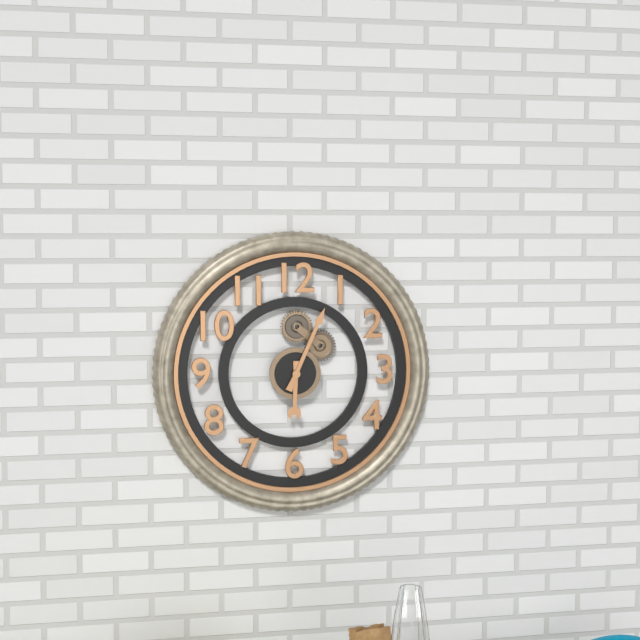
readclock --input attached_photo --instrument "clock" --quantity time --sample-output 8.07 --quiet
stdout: 6.04
